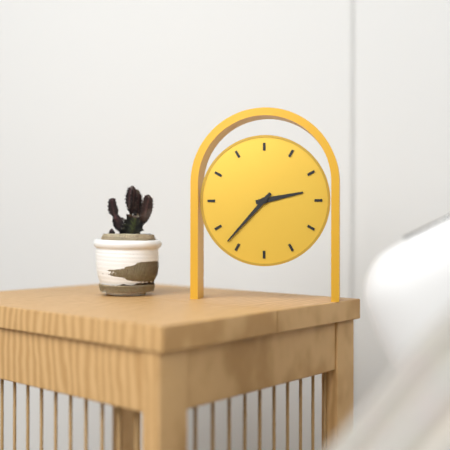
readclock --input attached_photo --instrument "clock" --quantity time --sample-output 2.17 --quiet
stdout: 2.37
